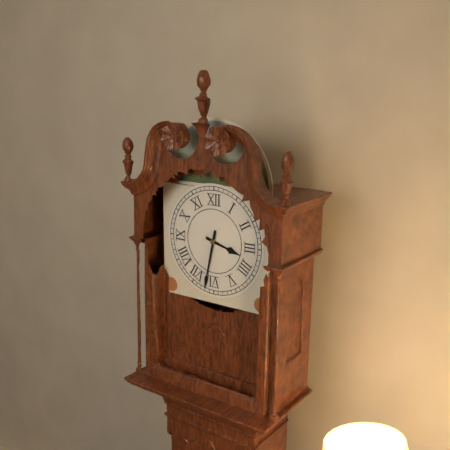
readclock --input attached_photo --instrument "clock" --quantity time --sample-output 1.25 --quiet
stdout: 3.32
